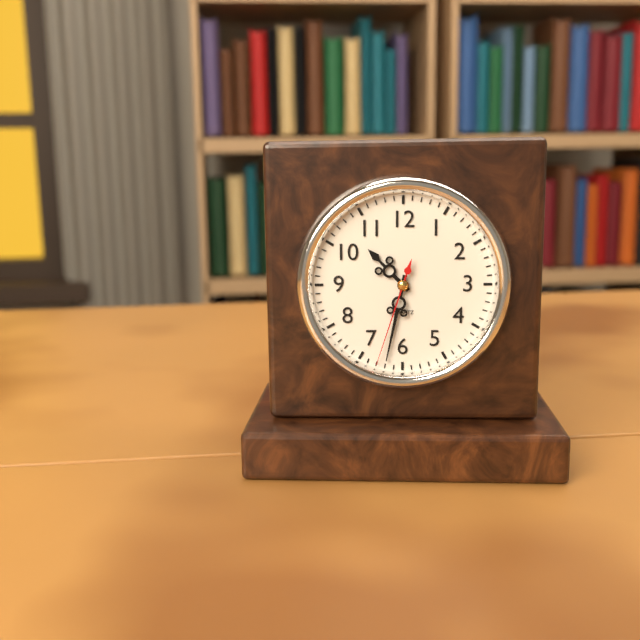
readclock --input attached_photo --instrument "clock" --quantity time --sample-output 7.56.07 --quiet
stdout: 10.32.33
